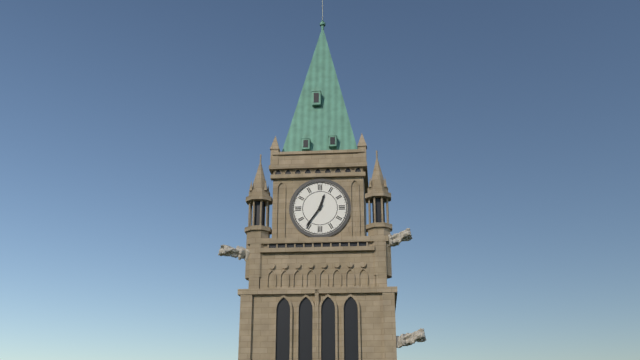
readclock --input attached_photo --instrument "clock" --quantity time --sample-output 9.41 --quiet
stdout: 12.36
